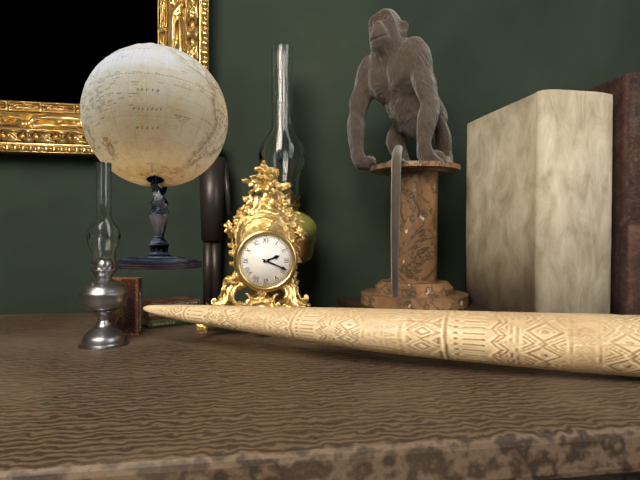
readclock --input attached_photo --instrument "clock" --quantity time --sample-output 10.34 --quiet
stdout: 2.19
